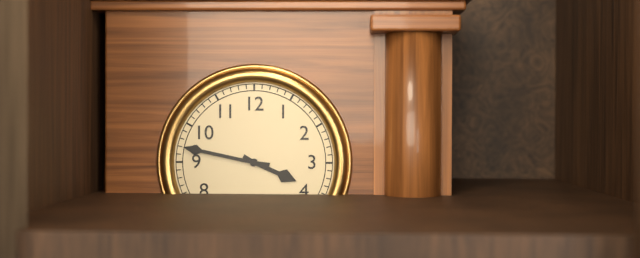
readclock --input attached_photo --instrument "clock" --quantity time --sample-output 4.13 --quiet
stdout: 3.47
